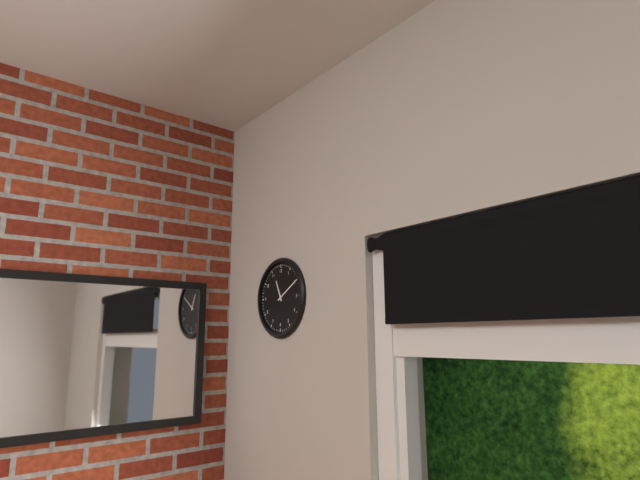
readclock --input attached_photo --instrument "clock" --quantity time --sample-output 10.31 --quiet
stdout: 11.10
